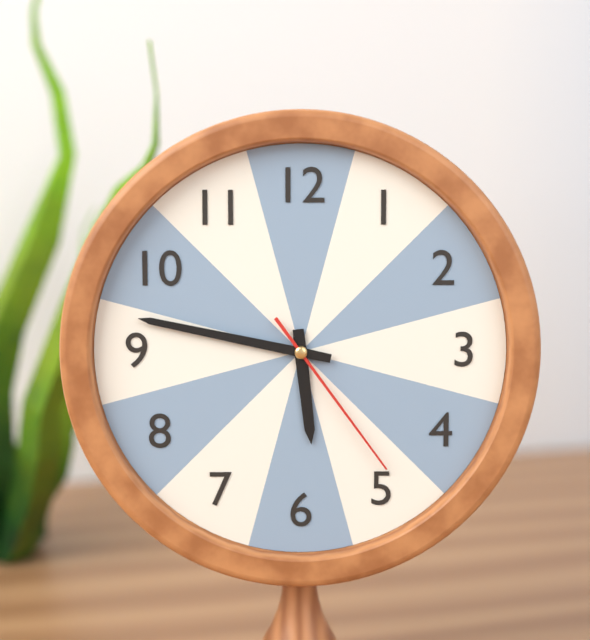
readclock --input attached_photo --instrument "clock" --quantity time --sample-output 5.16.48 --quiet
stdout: 5.47.24
